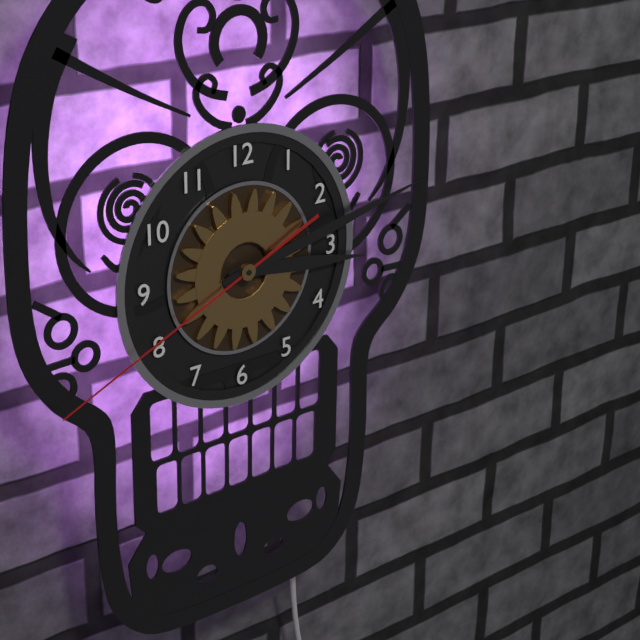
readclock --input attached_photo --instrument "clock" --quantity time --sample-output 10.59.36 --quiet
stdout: 3.13.41
